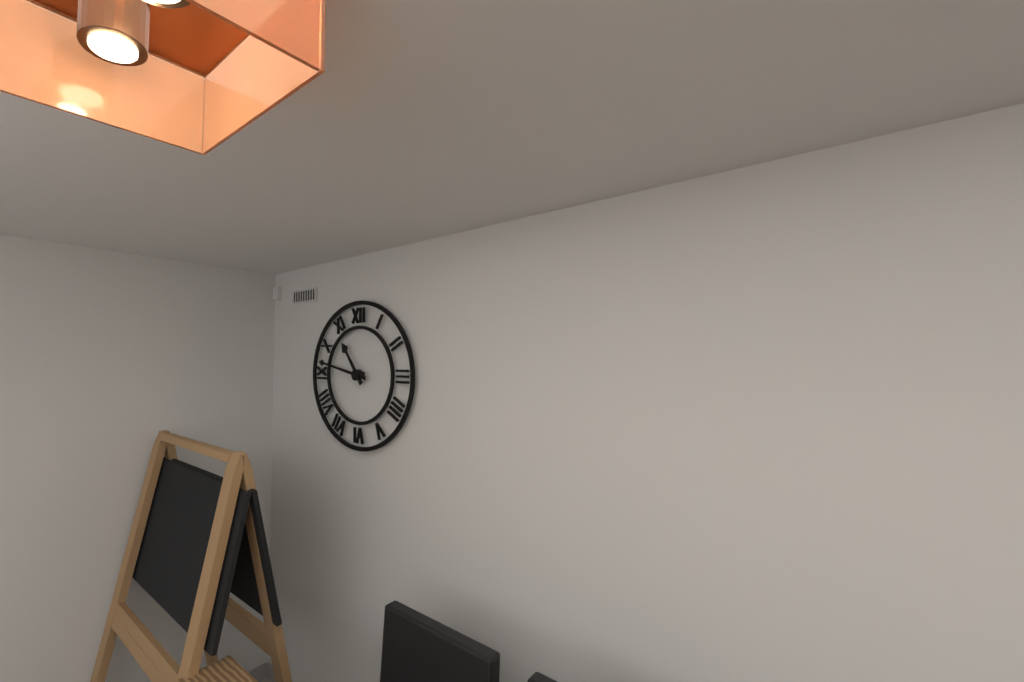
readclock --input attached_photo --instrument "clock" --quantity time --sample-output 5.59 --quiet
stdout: 10.47
